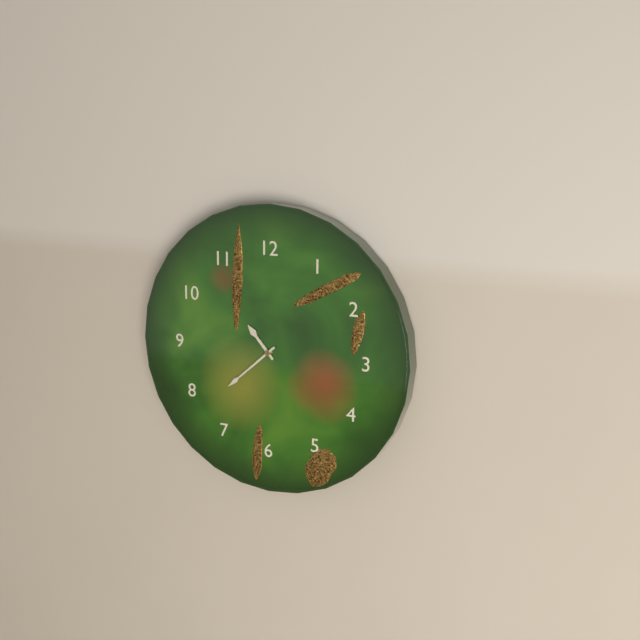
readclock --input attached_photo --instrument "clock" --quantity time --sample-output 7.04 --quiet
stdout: 10.38
